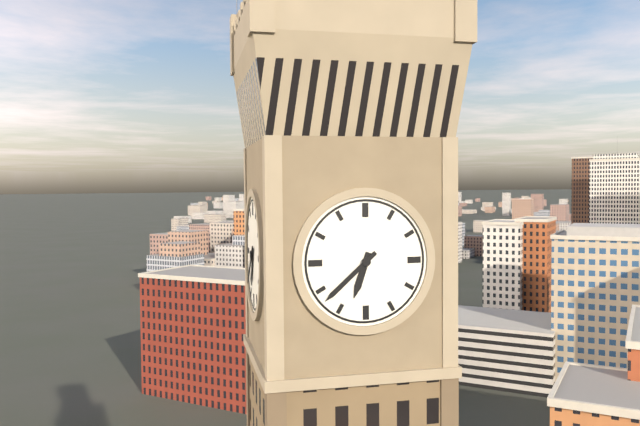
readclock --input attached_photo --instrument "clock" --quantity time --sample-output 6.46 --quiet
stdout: 6.38
